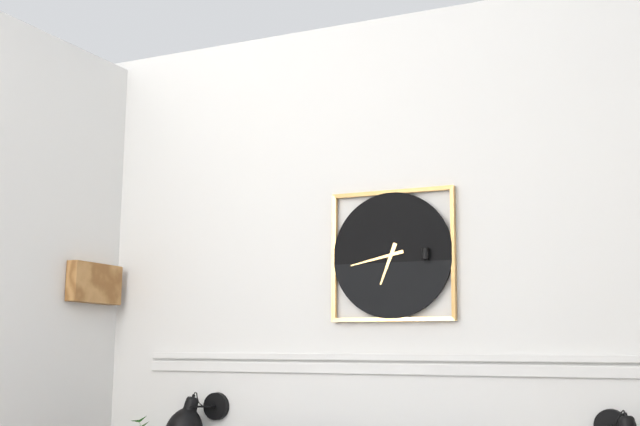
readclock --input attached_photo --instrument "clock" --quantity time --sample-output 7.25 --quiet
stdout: 6.43
